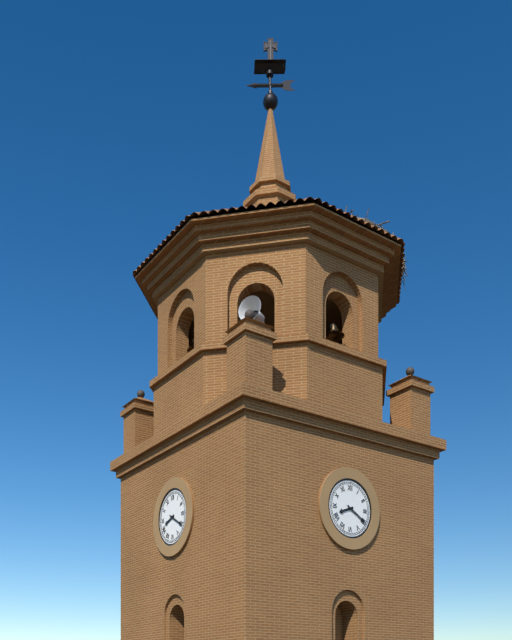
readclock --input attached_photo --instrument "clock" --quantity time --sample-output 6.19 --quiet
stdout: 8.20
